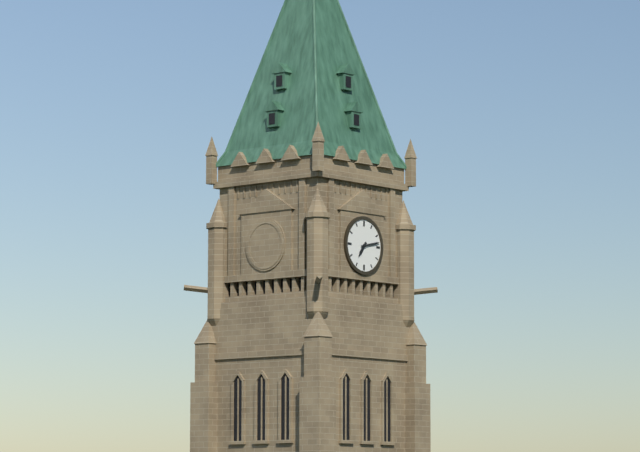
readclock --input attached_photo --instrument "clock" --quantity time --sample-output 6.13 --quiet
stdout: 7.13
